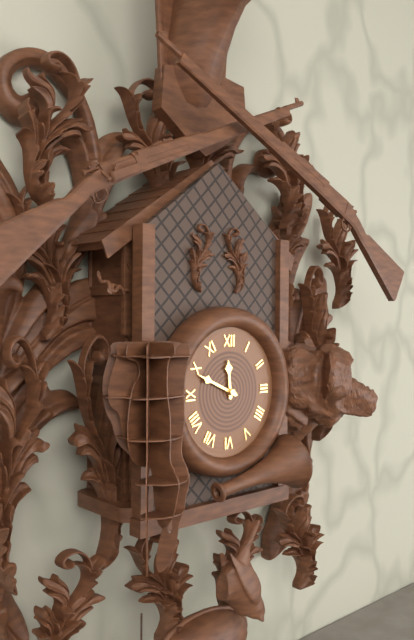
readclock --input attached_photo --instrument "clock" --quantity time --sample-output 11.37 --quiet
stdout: 11.49
